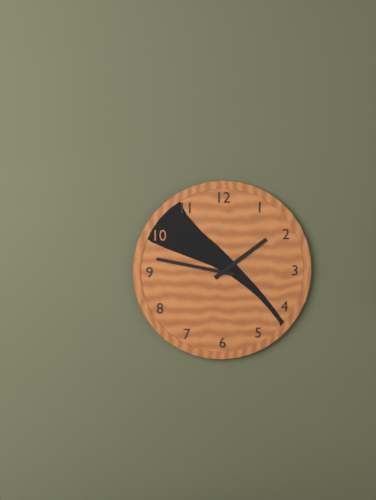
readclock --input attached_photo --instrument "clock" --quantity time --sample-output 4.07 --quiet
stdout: 1.47
